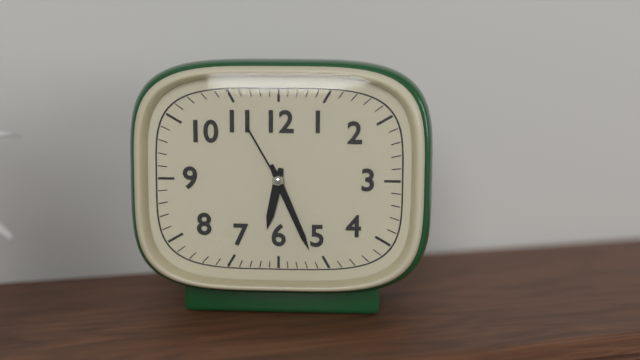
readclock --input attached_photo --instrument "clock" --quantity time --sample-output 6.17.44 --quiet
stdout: 6.26.55
